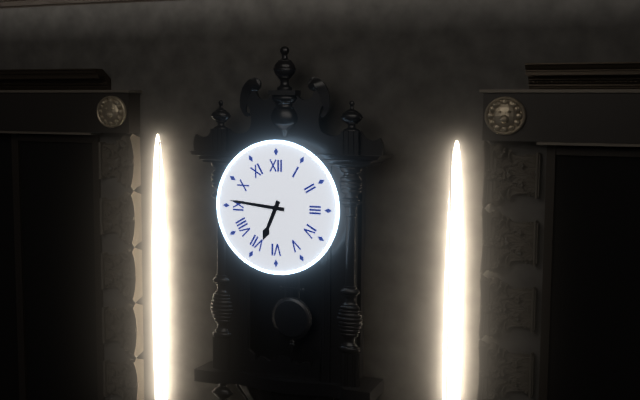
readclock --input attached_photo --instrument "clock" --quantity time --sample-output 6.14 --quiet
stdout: 6.46
